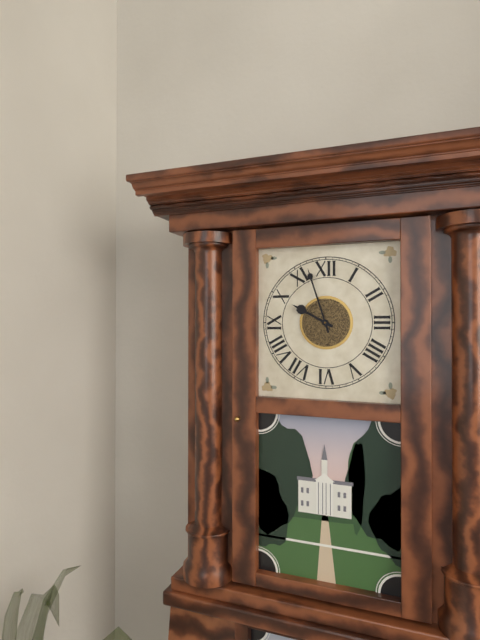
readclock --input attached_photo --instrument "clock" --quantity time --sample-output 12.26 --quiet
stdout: 9.57
